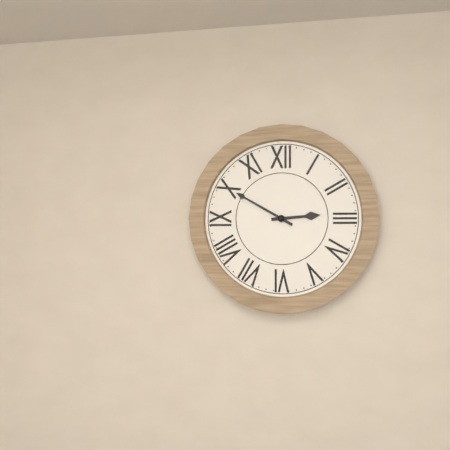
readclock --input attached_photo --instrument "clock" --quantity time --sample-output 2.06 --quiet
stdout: 2.50
